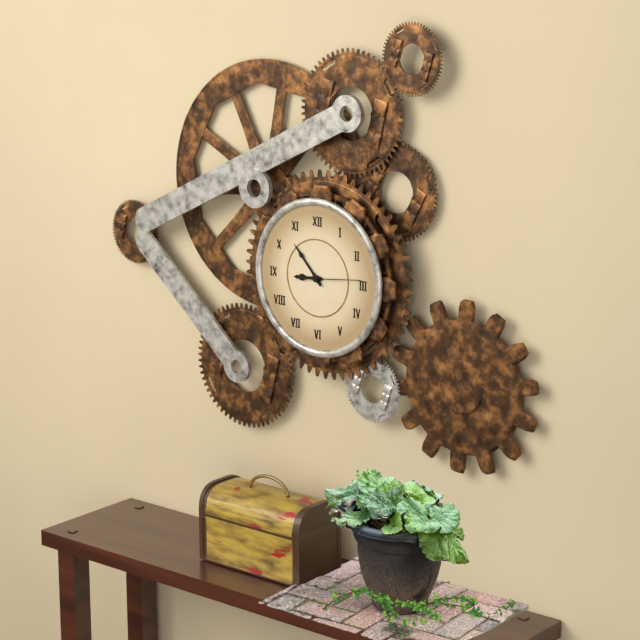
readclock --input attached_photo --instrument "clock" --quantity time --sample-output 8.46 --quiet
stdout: 8.53
